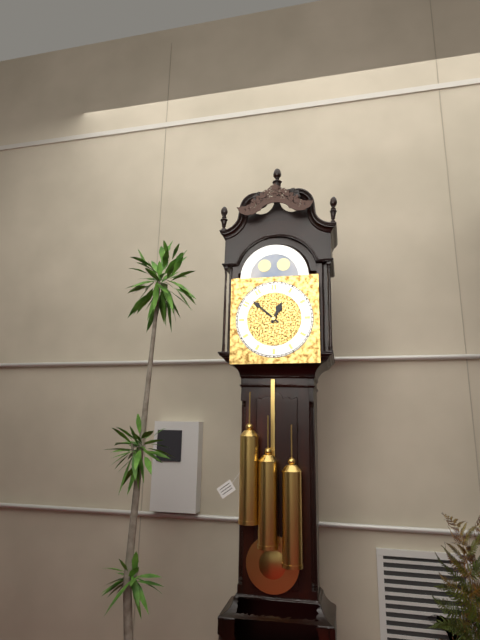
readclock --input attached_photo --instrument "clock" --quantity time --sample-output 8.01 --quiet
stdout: 12.52
